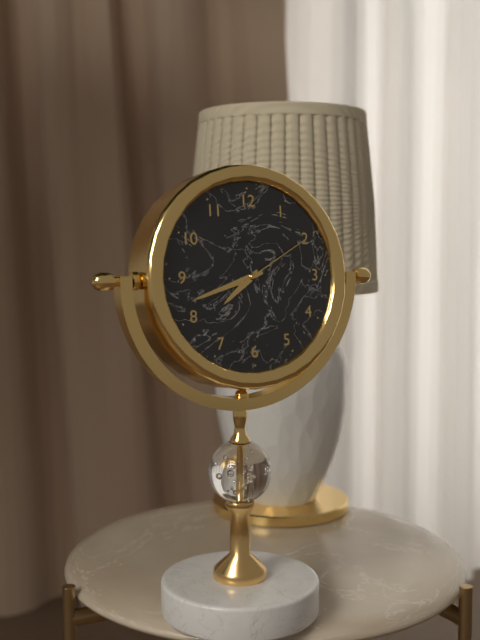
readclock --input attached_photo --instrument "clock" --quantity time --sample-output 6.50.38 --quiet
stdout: 7.42.10
